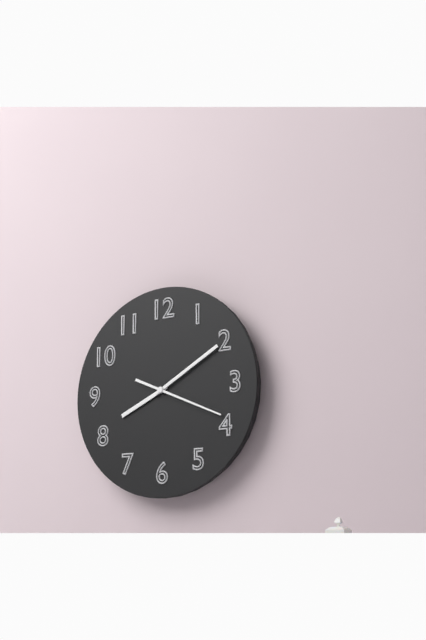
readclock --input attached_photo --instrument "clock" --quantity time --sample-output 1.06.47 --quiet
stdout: 8.10.19
